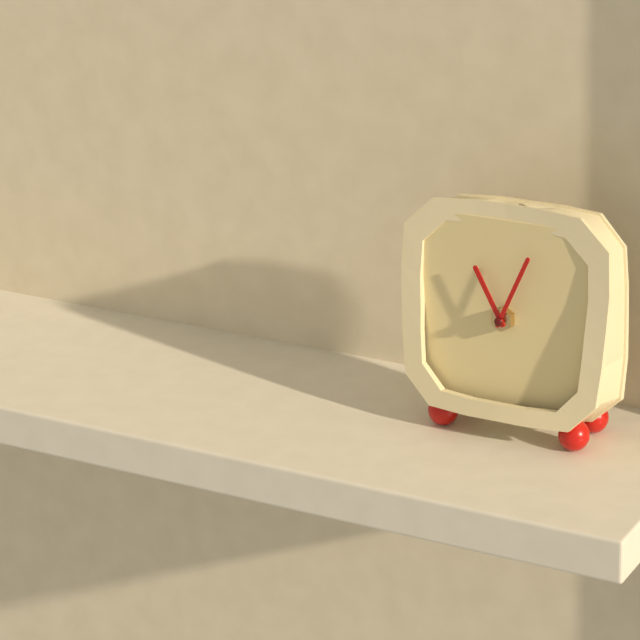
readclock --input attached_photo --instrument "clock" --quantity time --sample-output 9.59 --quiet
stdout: 11.04
